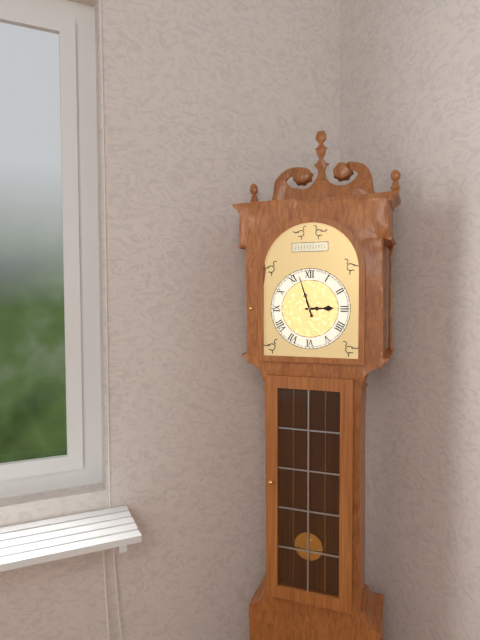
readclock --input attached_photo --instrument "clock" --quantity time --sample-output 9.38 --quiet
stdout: 2.57
